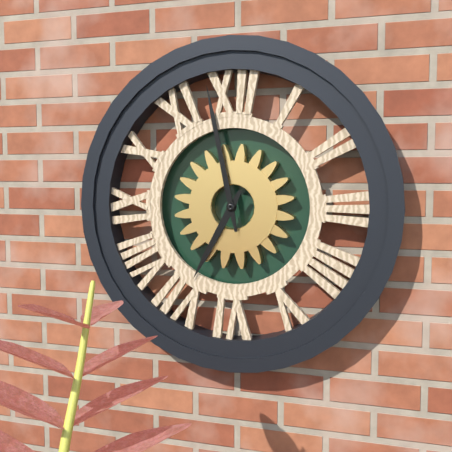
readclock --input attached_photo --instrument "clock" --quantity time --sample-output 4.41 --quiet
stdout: 6.58
